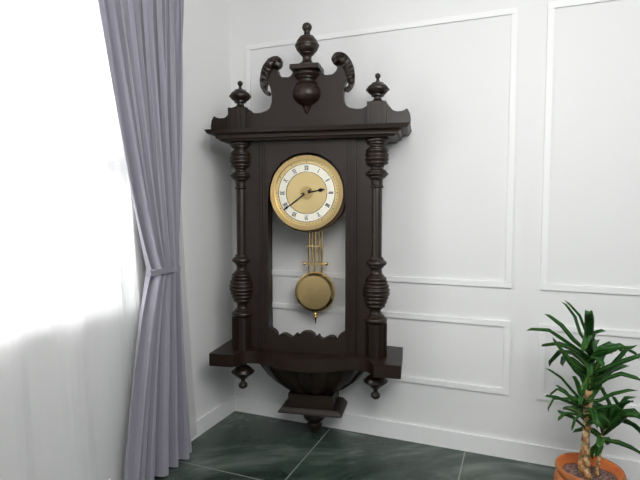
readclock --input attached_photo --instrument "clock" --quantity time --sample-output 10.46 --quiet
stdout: 2.39
